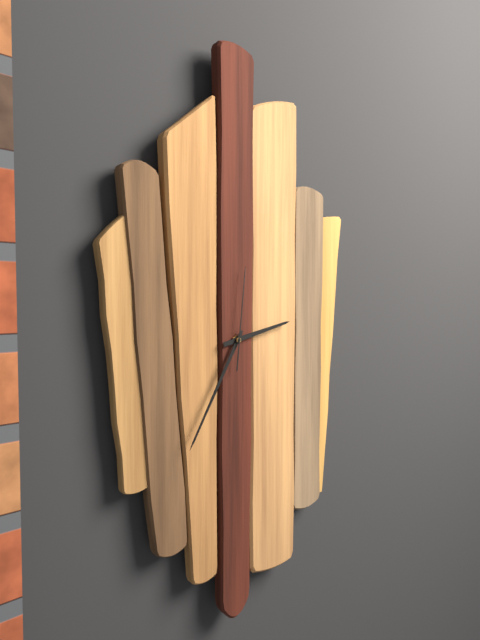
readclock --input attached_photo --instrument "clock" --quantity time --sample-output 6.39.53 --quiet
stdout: 2.35.01
